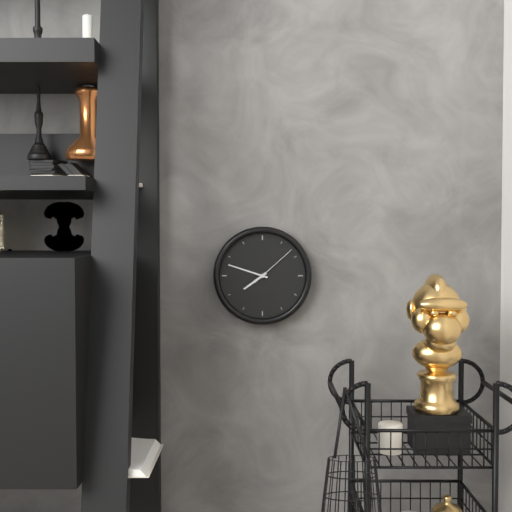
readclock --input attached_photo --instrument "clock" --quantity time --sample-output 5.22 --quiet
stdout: 7.48
